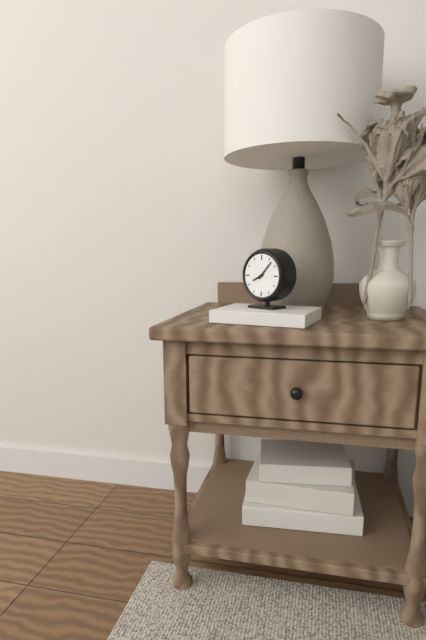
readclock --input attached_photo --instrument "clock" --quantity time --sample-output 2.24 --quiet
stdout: 8.07
